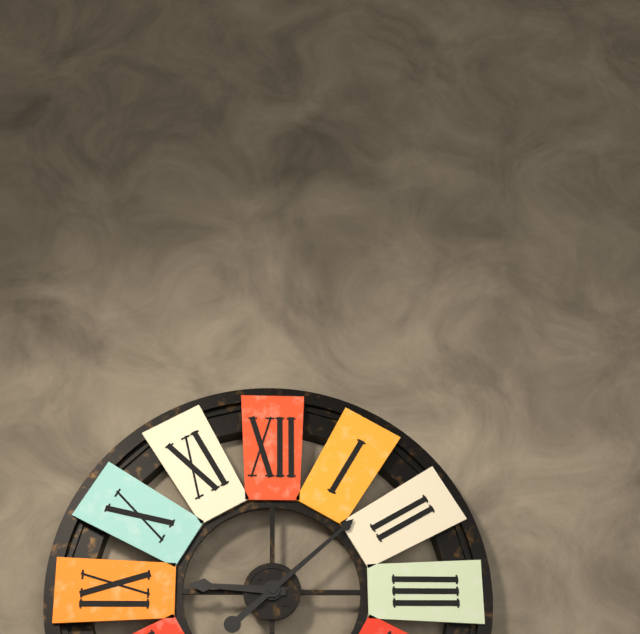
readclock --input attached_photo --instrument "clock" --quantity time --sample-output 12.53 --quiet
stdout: 9.08
